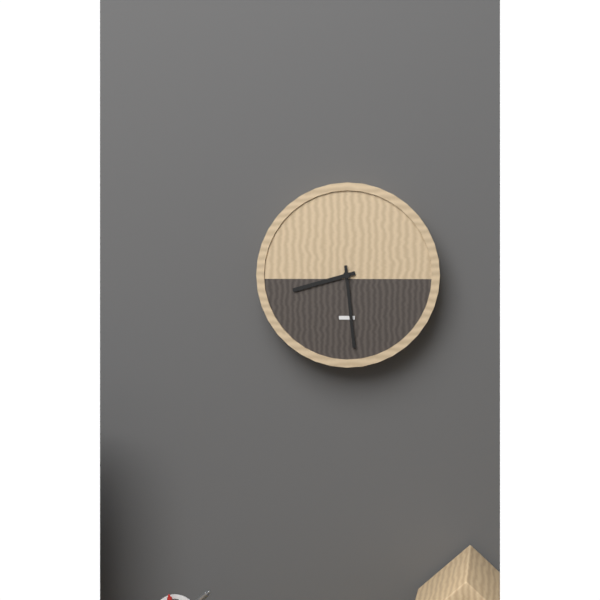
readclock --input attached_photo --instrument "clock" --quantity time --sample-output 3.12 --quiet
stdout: 8.29
